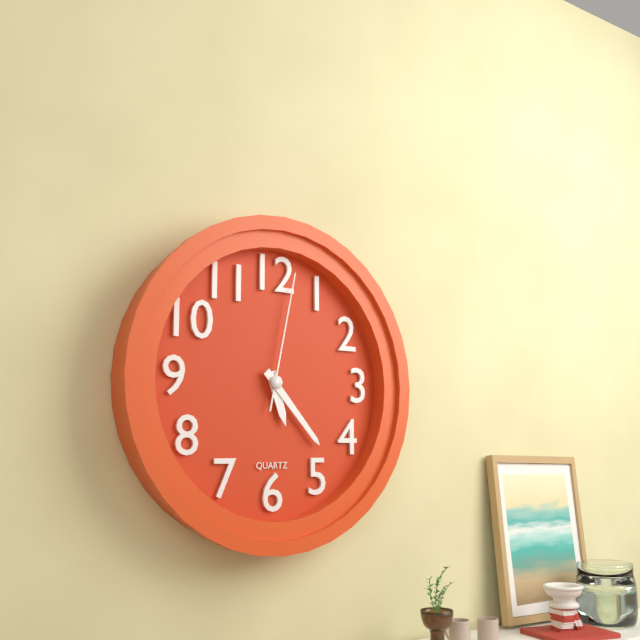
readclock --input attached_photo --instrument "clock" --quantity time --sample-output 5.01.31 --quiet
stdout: 5.23.02
